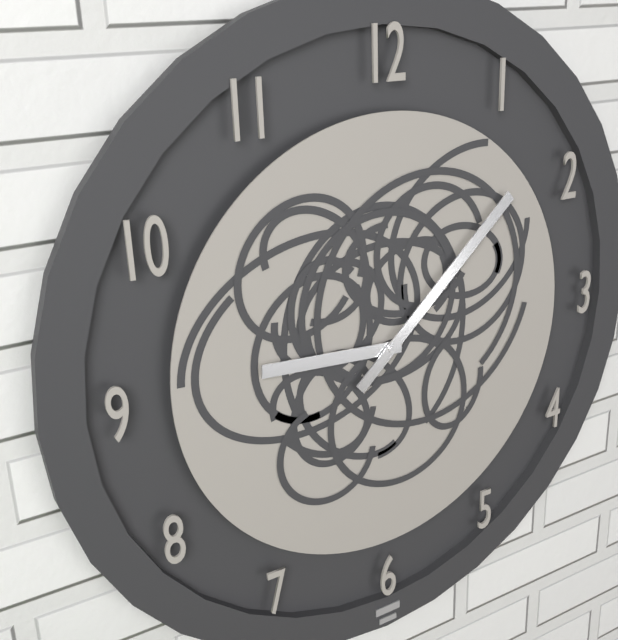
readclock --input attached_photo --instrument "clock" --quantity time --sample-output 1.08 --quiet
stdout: 9.08
